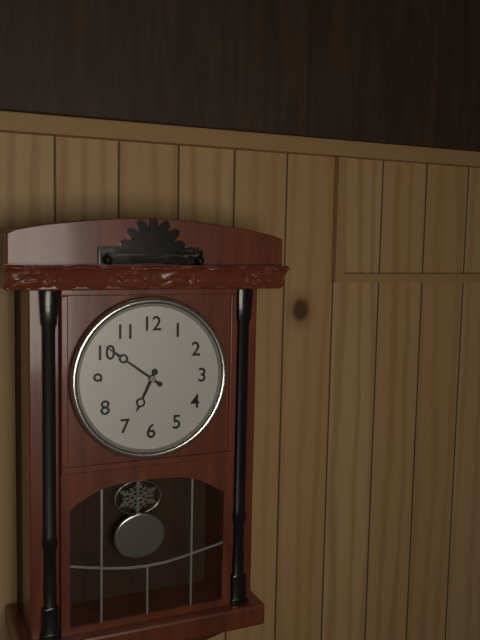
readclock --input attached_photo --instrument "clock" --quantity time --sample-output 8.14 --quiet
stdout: 6.51
